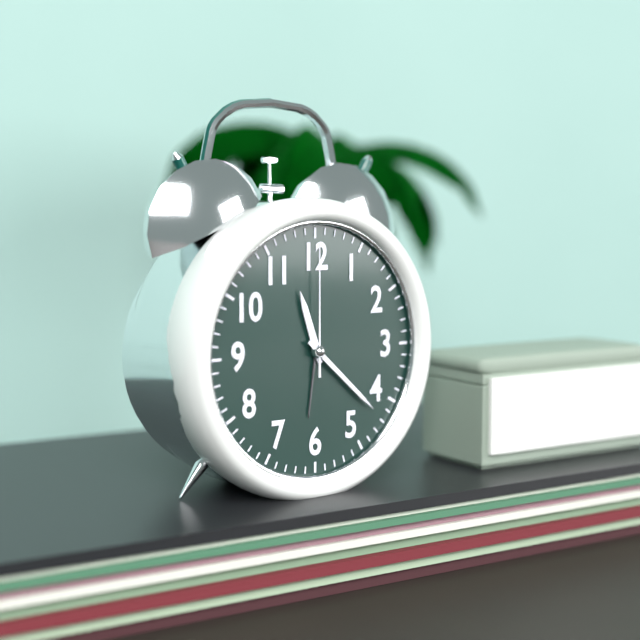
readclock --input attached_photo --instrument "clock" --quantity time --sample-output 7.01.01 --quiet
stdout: 11.22.00
